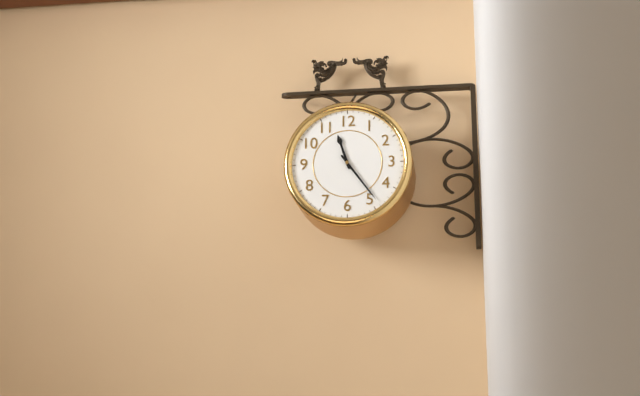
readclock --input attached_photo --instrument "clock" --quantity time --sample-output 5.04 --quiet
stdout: 11.24
